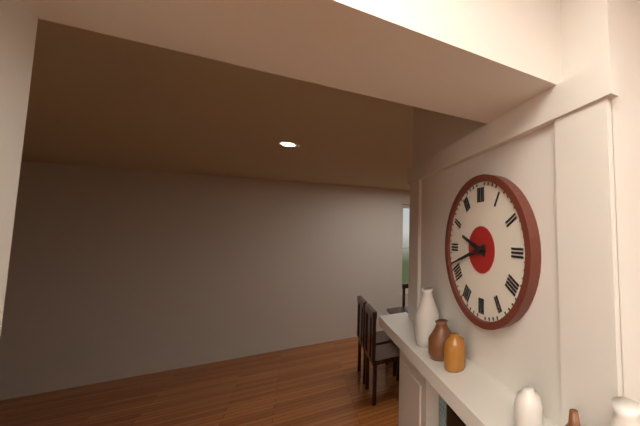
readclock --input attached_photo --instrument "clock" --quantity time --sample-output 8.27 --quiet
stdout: 9.42
